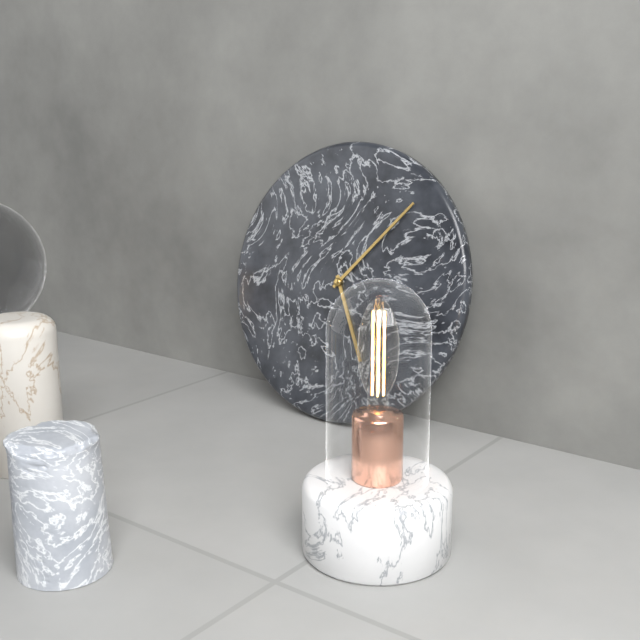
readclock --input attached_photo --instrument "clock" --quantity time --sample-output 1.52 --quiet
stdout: 5.07
